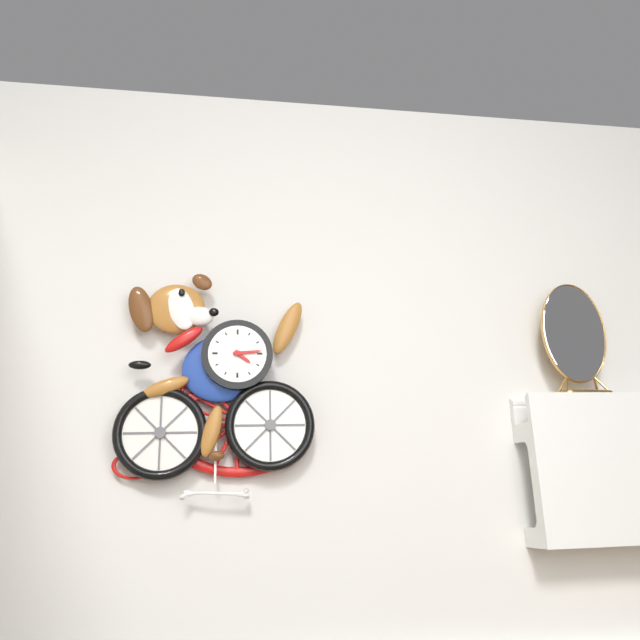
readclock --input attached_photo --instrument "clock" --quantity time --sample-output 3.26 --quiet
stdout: 4.14
